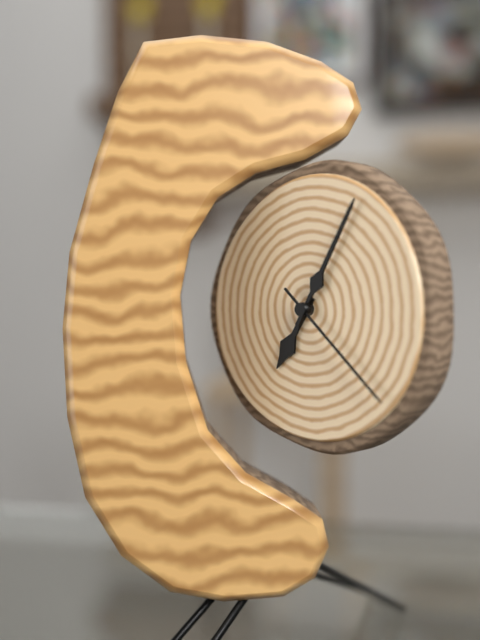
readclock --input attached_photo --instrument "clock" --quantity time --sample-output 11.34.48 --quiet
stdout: 7.05.22
